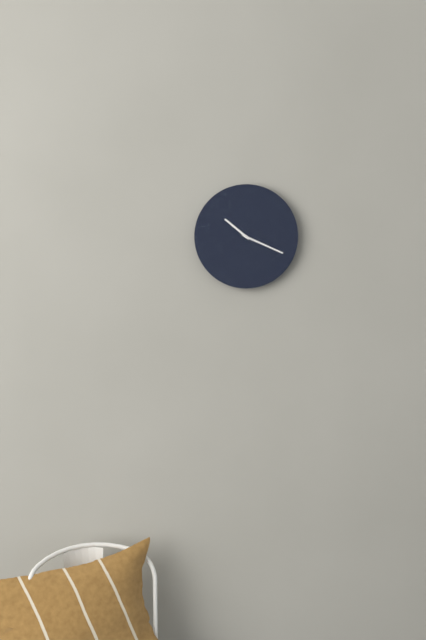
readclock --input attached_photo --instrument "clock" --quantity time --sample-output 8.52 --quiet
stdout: 10.19
